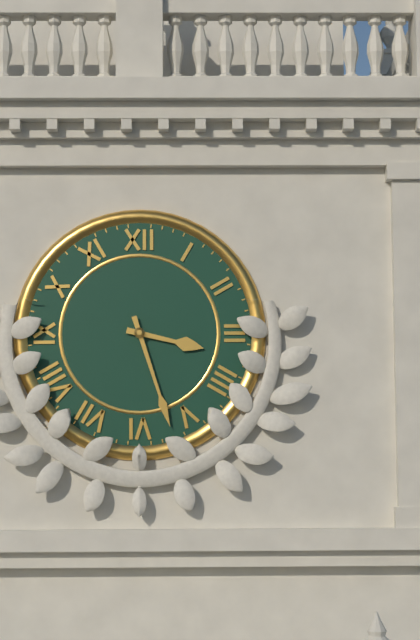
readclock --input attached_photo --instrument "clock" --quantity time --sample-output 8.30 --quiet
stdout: 3.27
